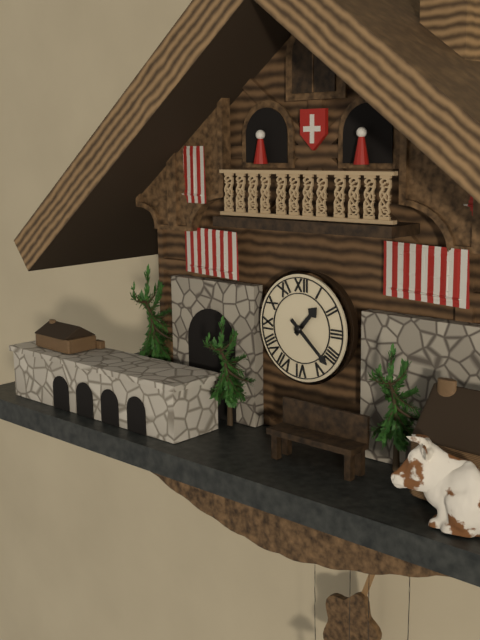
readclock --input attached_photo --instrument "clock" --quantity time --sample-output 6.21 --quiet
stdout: 1.22
